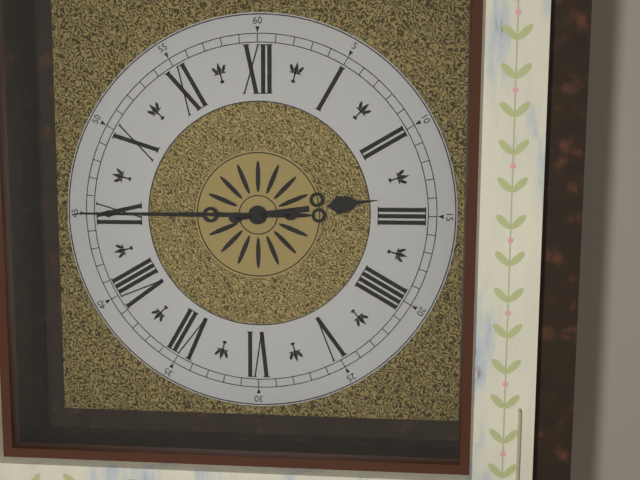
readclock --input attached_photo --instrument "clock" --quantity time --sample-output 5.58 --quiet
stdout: 2.45
